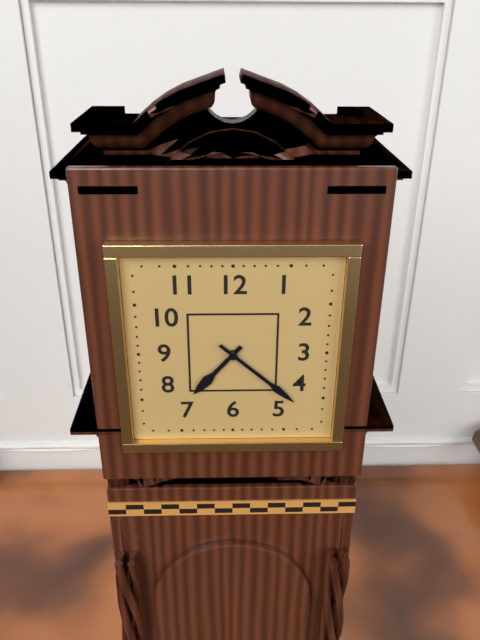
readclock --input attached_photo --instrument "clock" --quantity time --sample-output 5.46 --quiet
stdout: 7.22
